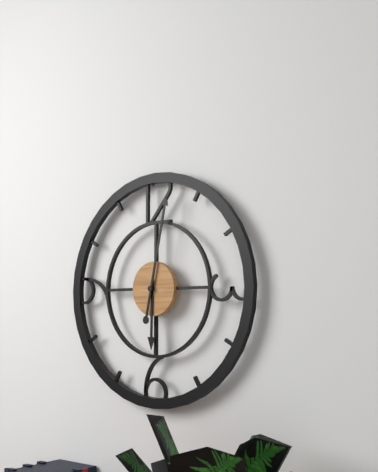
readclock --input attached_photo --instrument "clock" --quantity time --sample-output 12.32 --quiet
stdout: 6.02
